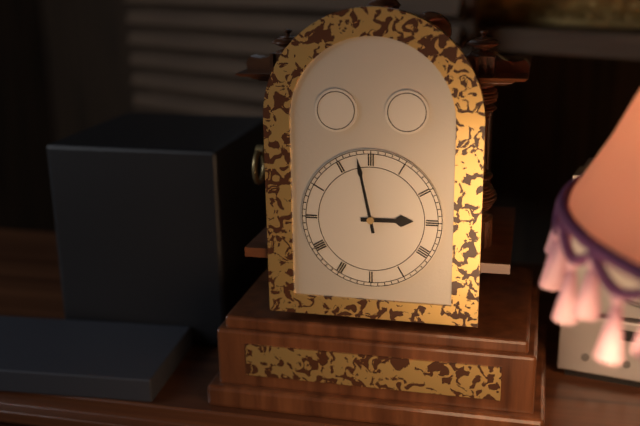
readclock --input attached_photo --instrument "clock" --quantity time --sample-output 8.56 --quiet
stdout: 2.58
